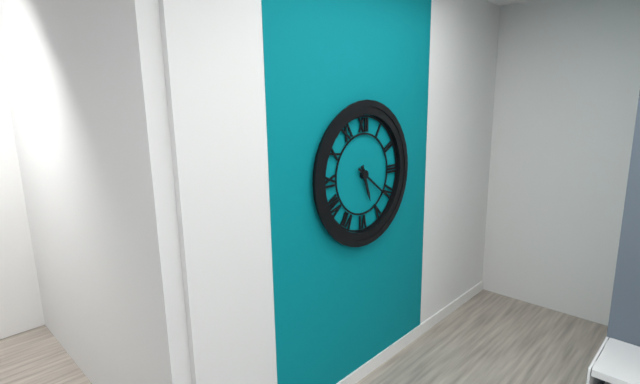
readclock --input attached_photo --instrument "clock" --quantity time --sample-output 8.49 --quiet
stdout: 5.21
